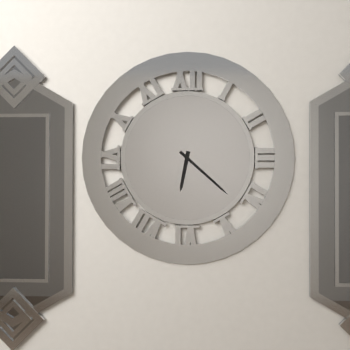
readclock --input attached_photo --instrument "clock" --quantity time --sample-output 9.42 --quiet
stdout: 6.22
